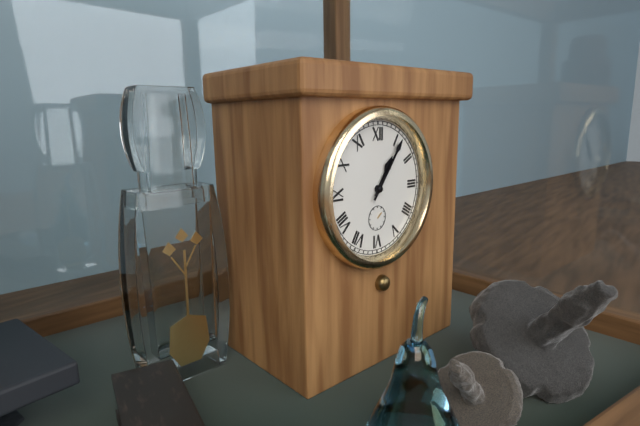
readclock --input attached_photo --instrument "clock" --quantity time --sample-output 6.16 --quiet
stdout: 1.06
